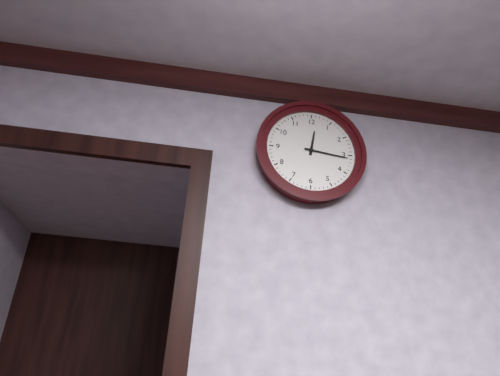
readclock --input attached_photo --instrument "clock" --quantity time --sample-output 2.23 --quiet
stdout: 12.16
